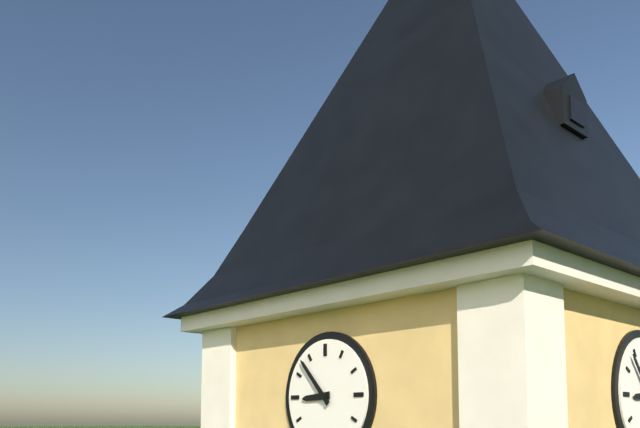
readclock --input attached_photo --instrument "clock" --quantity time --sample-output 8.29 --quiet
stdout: 8.53
